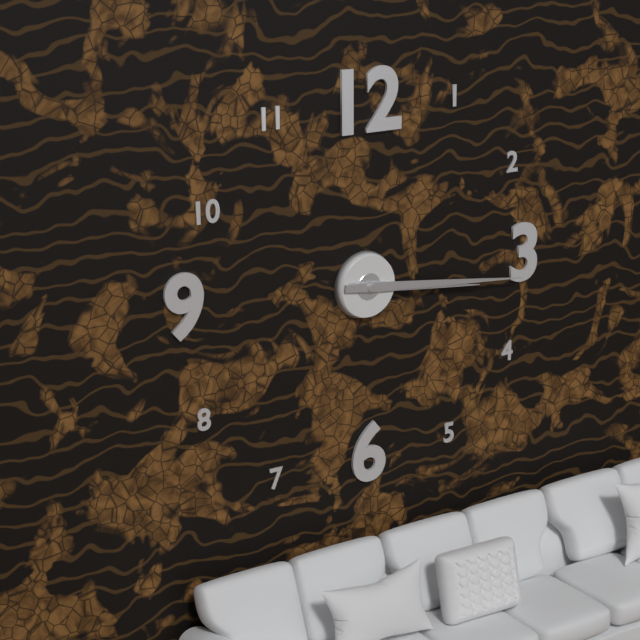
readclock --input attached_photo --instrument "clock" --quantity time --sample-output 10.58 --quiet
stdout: 3.16
